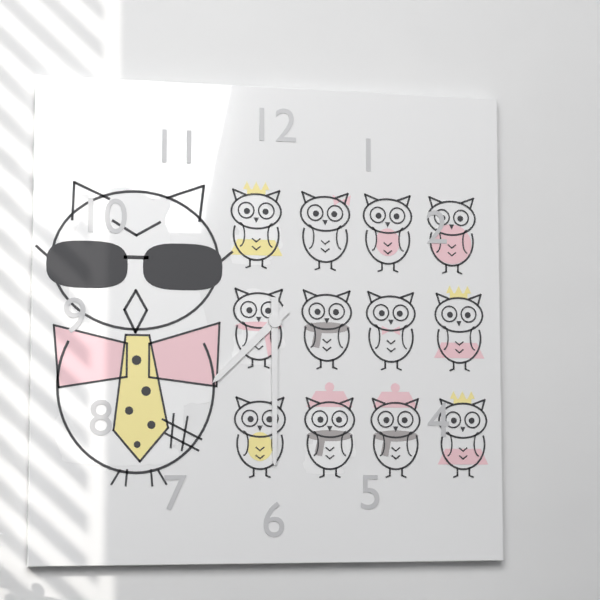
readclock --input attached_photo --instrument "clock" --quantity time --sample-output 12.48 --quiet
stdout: 7.30
